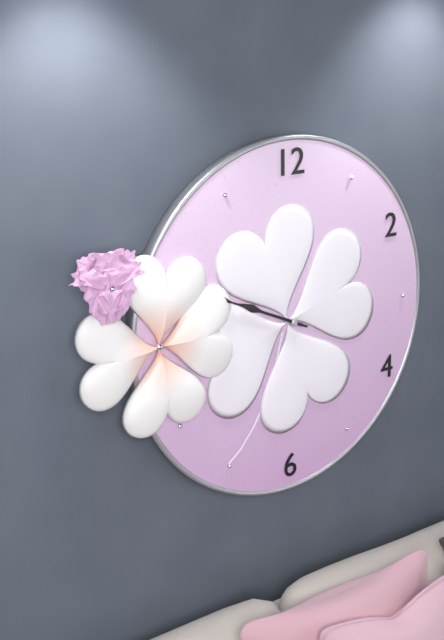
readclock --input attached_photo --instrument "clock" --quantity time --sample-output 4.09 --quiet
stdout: 9.49
